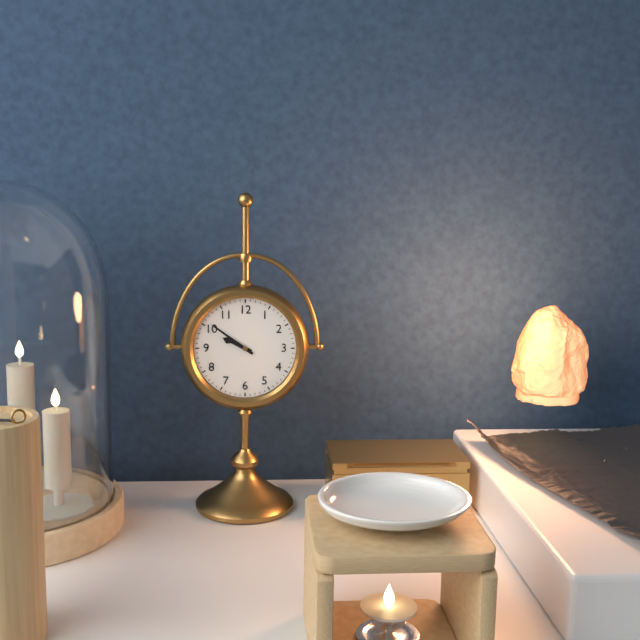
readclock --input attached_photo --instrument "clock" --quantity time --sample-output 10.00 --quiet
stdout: 9.51
